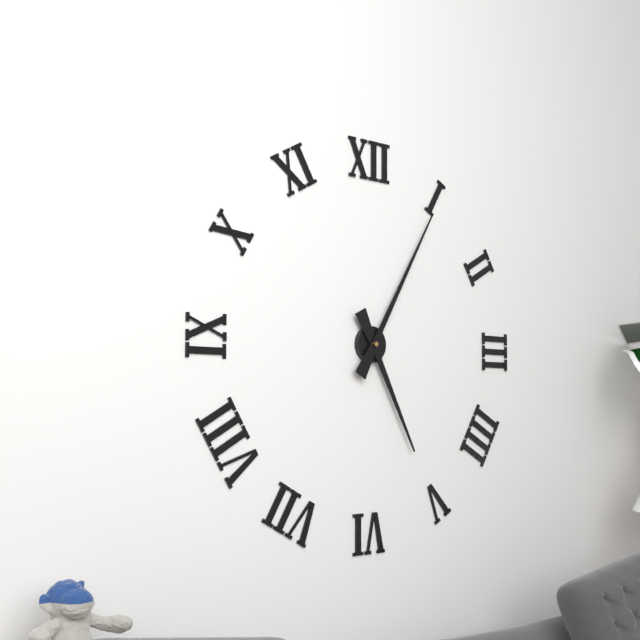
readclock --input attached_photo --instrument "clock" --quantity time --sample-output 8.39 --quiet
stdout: 5.05
